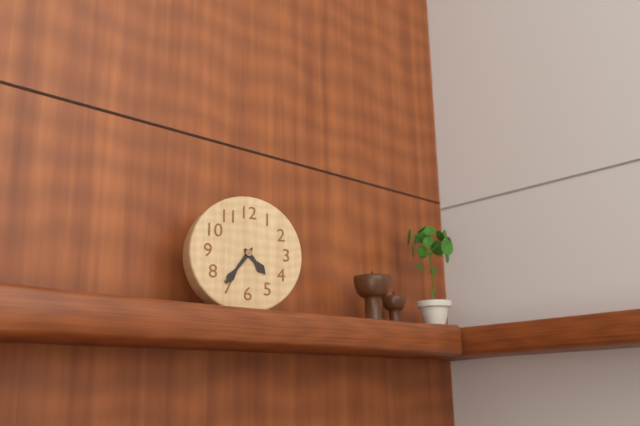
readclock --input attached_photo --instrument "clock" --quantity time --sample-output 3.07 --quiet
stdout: 4.36
